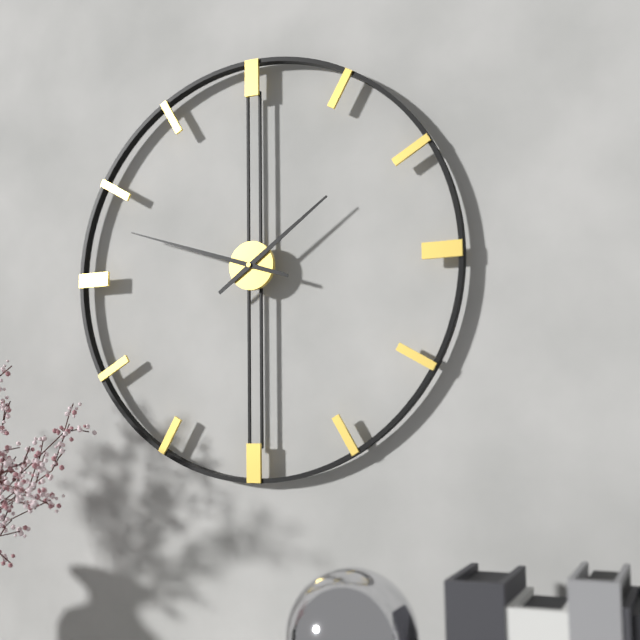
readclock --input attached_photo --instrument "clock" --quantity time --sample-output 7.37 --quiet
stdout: 1.48
